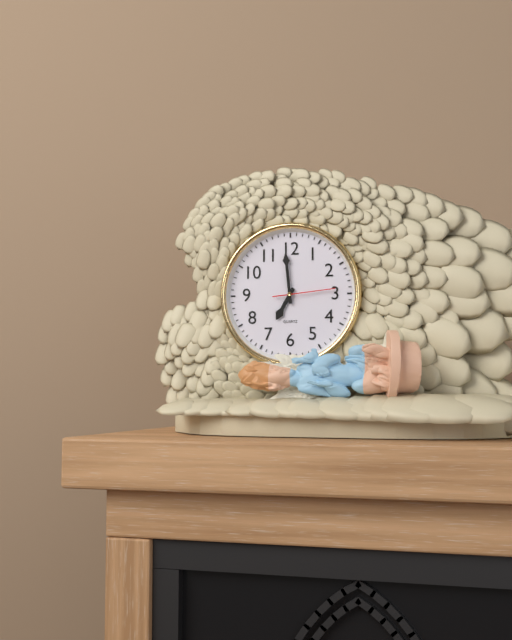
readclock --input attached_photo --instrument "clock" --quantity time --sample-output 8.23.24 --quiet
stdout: 6.59.14
